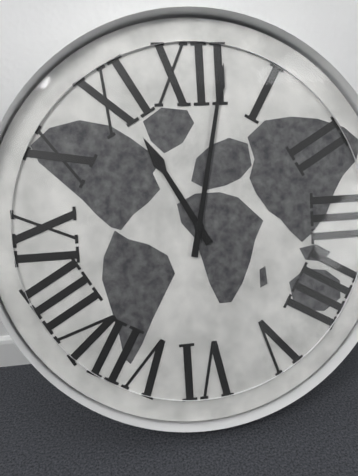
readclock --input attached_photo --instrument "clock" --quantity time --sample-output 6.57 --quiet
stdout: 11.02
